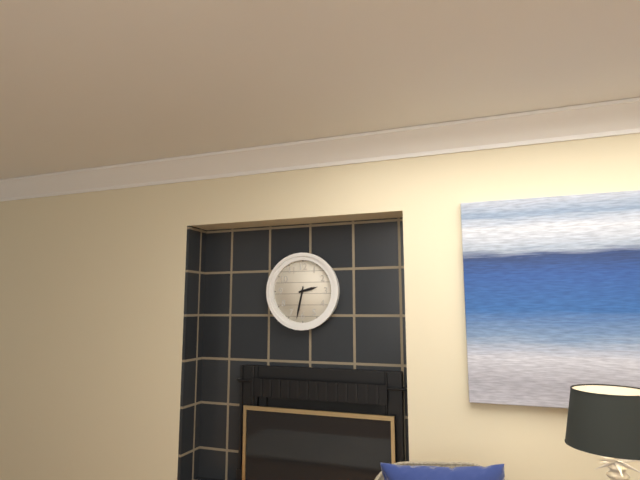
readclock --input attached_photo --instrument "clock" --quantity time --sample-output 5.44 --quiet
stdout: 2.32
